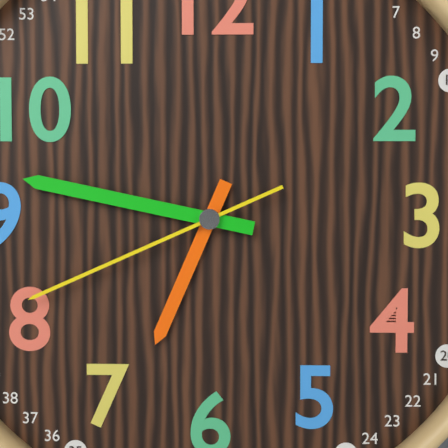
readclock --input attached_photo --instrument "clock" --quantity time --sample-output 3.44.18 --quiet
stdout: 6.47.41
